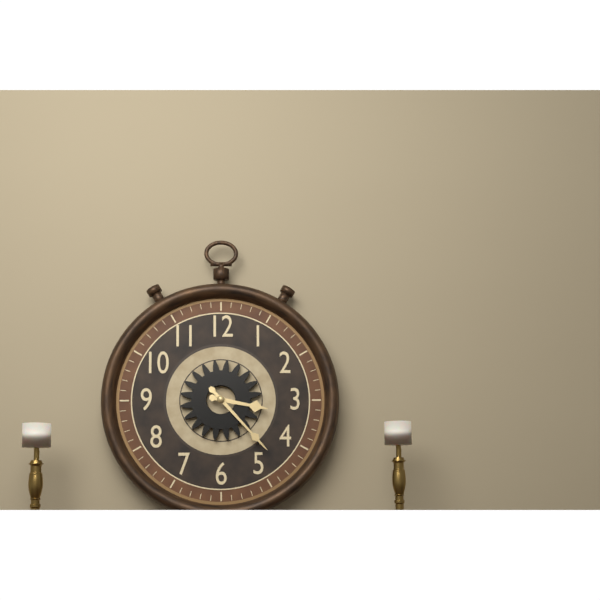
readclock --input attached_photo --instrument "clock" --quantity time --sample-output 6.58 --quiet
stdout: 3.23
